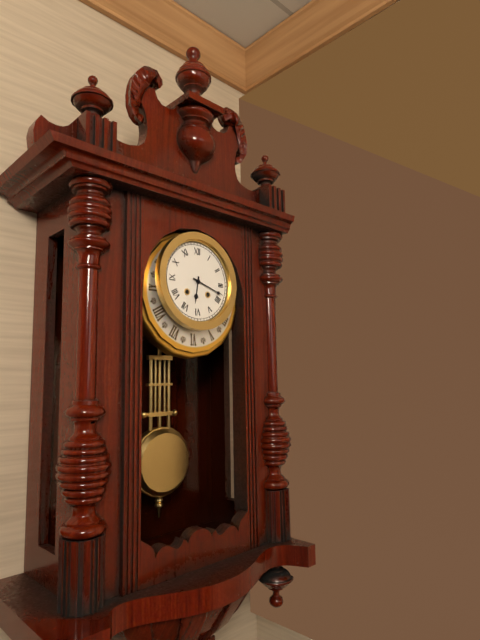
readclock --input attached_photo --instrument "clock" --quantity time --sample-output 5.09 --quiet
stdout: 6.18
